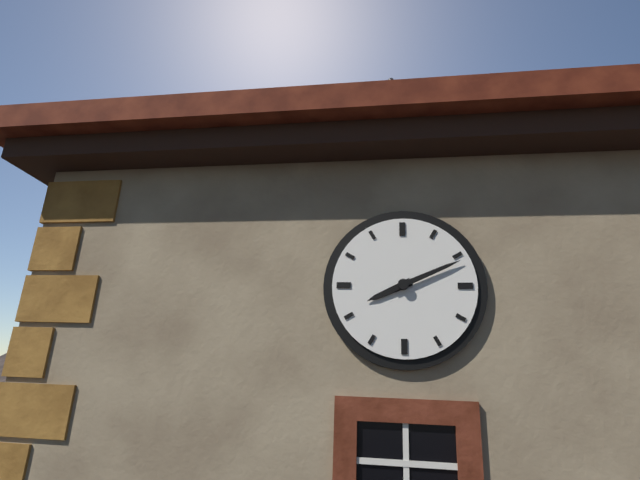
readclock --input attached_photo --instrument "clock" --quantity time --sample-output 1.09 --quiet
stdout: 8.11
